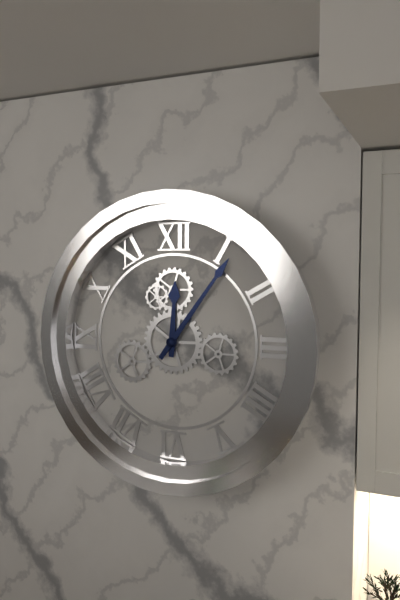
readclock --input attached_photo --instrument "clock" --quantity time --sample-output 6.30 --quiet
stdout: 12.06
